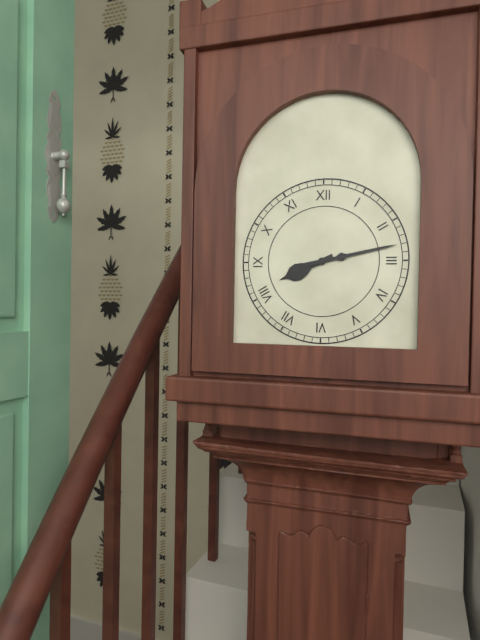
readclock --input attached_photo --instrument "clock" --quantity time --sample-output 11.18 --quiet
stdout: 8.13
